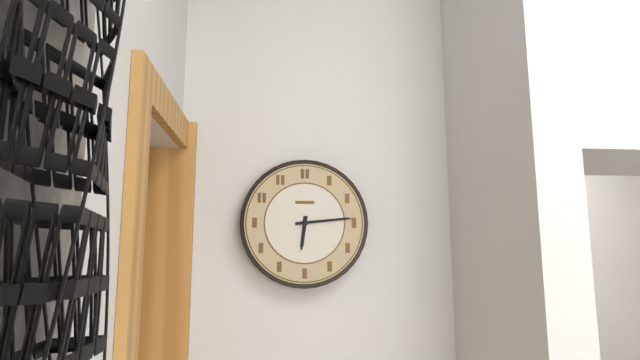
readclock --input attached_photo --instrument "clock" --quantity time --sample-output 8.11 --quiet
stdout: 6.14
